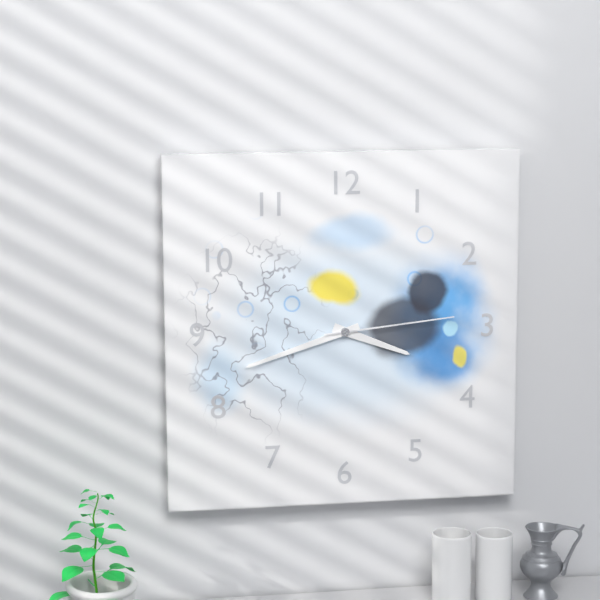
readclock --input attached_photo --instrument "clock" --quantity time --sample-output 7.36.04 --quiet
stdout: 3.42.14
